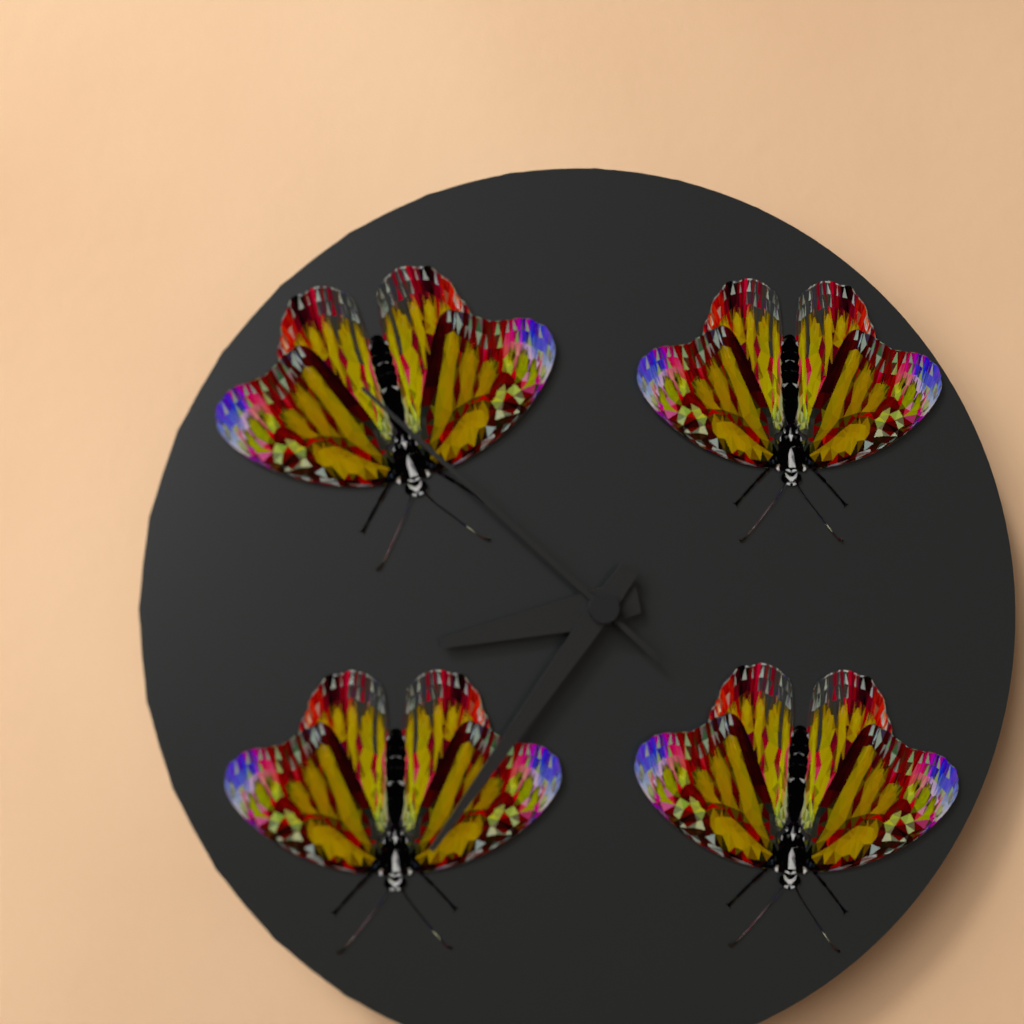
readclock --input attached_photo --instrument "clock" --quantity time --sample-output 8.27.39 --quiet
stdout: 8.36.52
